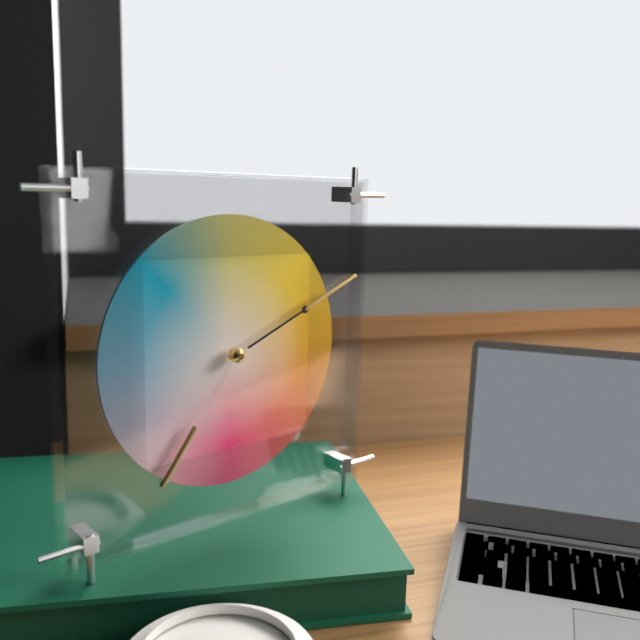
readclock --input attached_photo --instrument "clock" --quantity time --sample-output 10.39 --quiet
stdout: 7.11
